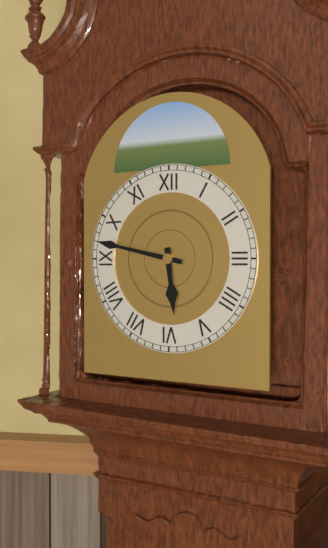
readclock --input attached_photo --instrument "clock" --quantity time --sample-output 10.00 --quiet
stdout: 5.47
